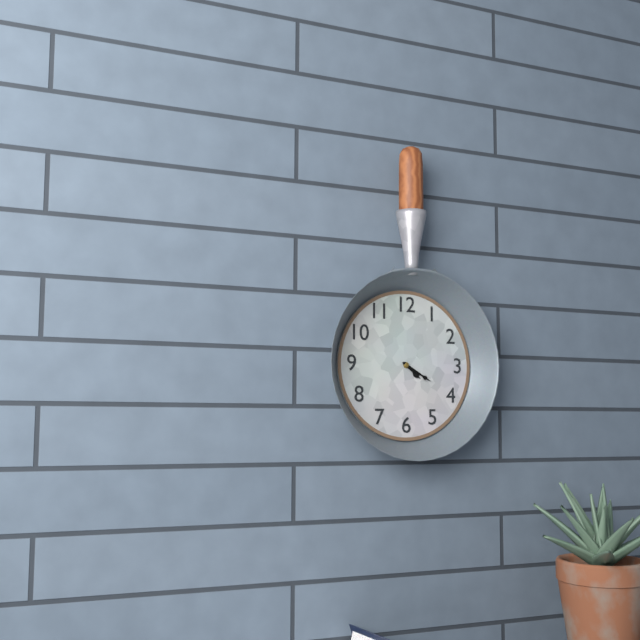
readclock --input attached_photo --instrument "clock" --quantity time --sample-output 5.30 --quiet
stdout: 4.20
